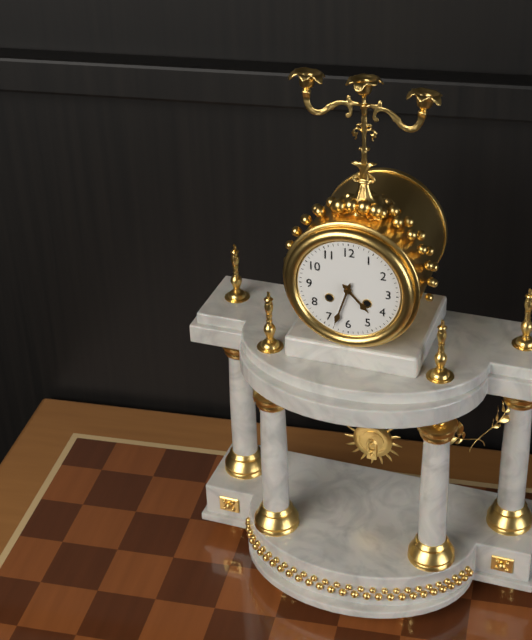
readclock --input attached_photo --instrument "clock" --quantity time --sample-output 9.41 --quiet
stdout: 4.33
